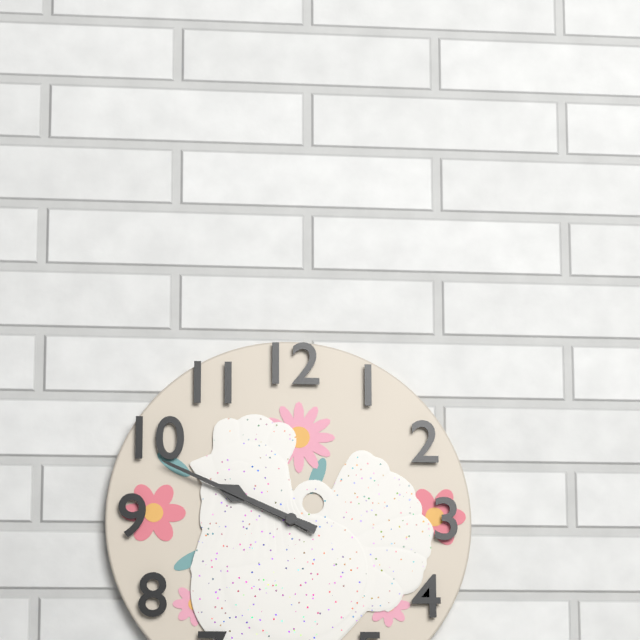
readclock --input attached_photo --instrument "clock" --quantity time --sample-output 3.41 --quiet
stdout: 9.49
